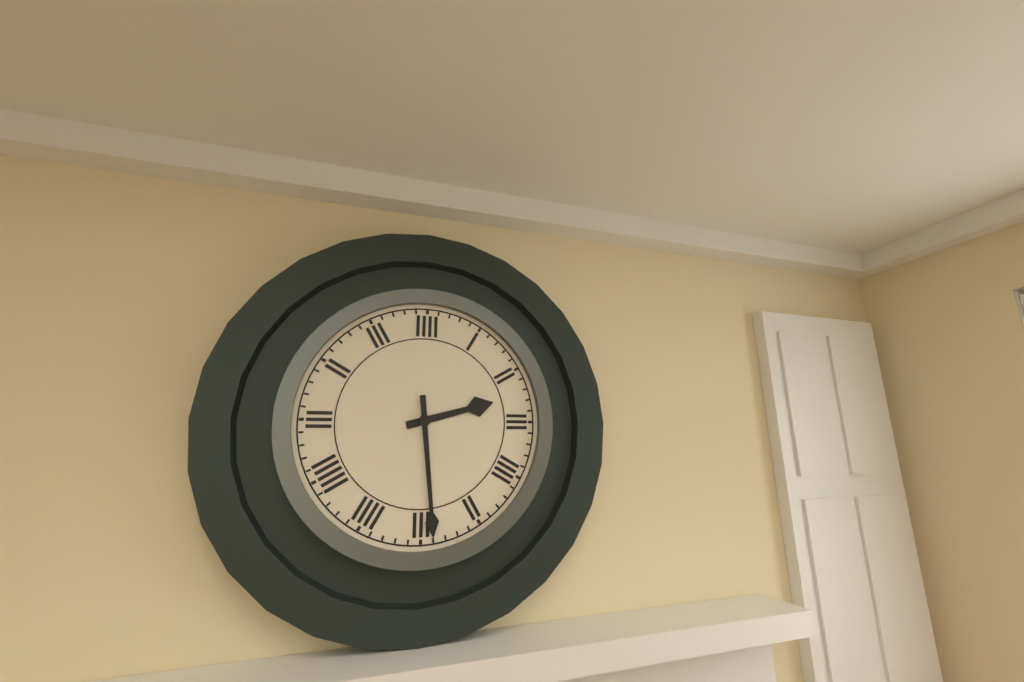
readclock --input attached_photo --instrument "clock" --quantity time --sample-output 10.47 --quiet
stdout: 2.29
